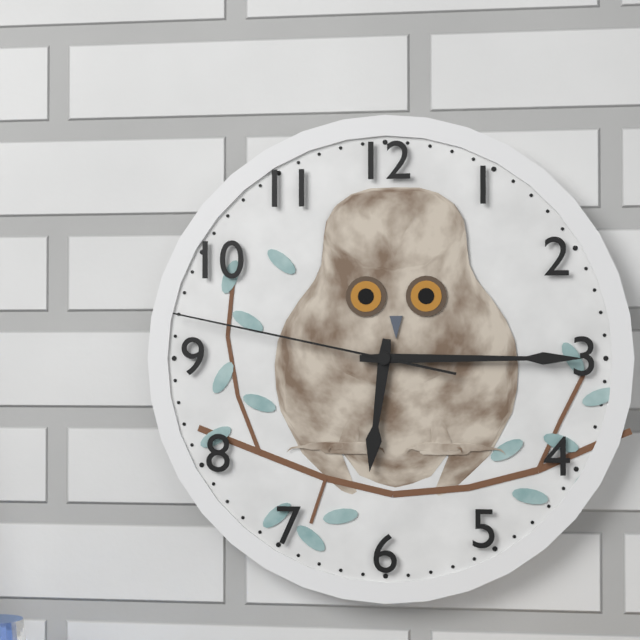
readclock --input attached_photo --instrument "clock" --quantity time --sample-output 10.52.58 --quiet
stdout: 6.15.47
